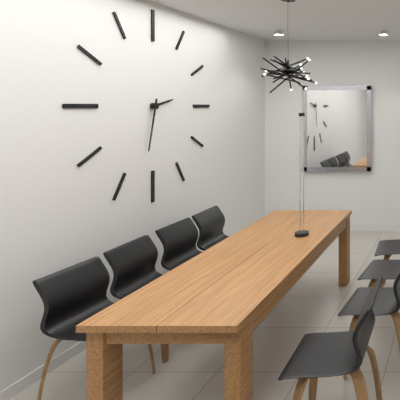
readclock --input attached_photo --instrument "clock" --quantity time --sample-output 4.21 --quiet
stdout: 2.32
